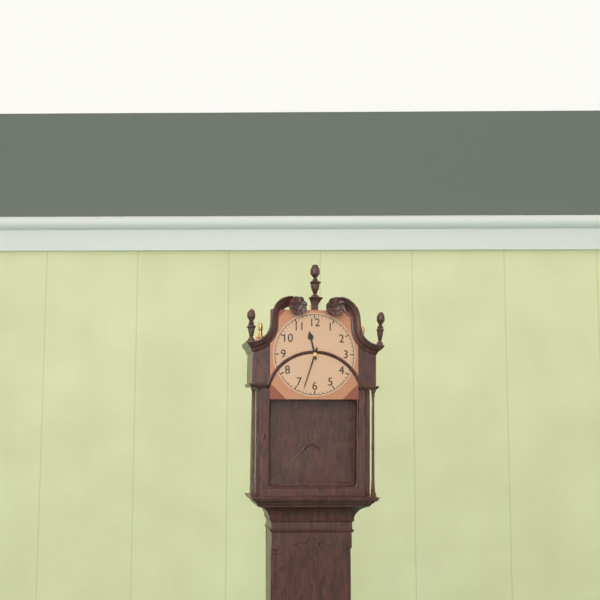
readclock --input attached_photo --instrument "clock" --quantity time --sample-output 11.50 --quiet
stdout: 11.33
